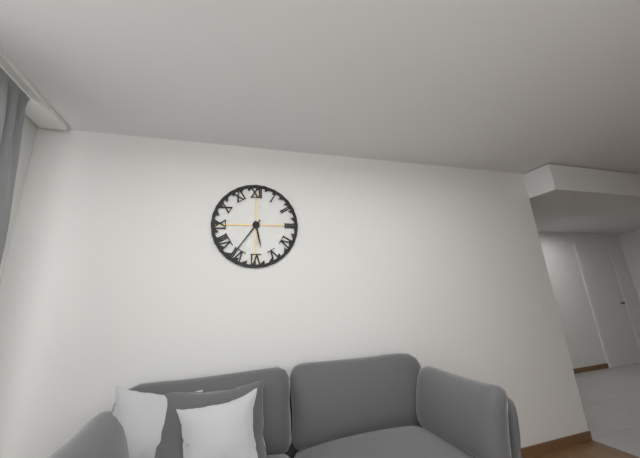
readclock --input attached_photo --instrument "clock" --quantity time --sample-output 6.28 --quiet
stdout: 5.36
